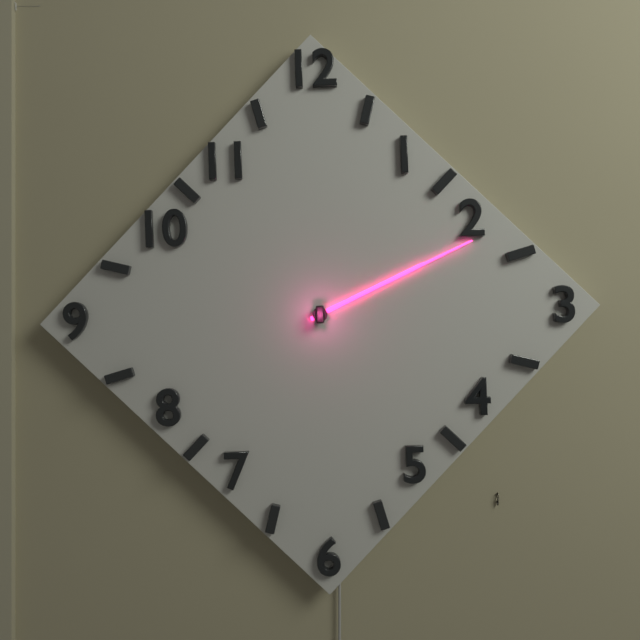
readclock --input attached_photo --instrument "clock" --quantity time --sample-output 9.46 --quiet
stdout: 2.11
